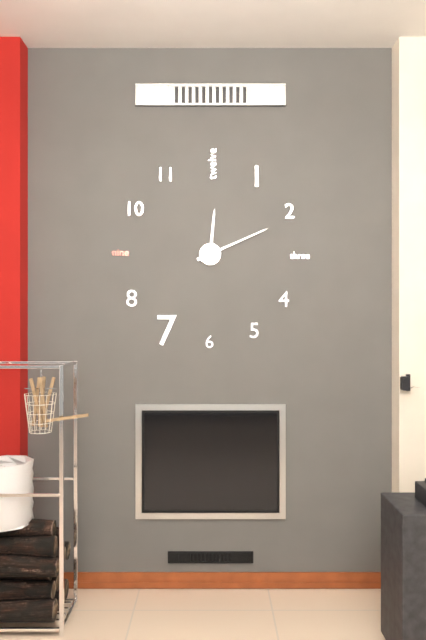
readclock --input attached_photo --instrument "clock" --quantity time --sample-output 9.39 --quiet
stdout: 12.11
